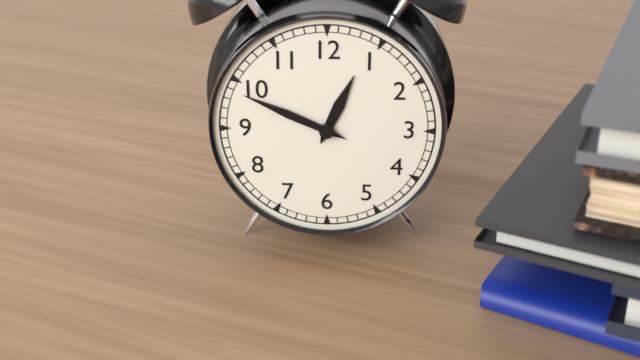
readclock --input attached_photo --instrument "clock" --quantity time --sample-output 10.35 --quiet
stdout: 12.49
